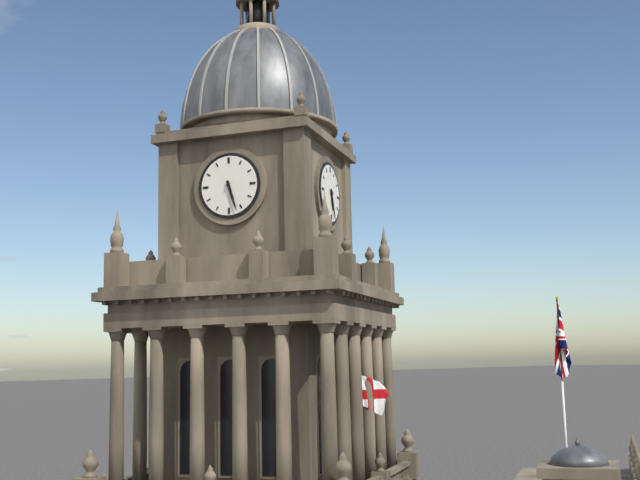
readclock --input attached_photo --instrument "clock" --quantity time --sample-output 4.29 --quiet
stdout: 5.27
